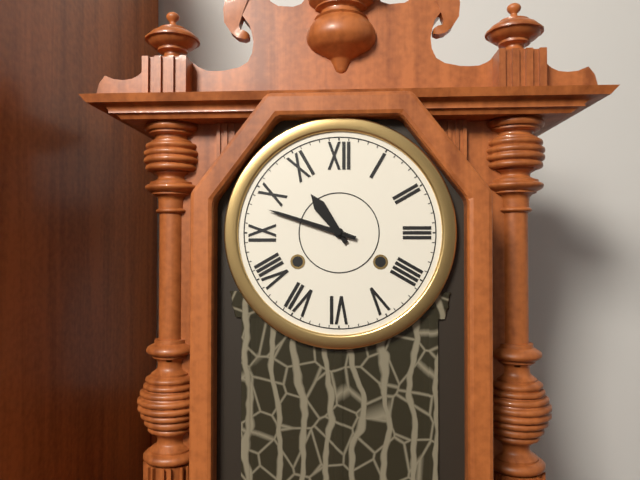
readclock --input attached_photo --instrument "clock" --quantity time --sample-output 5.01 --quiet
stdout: 10.48
